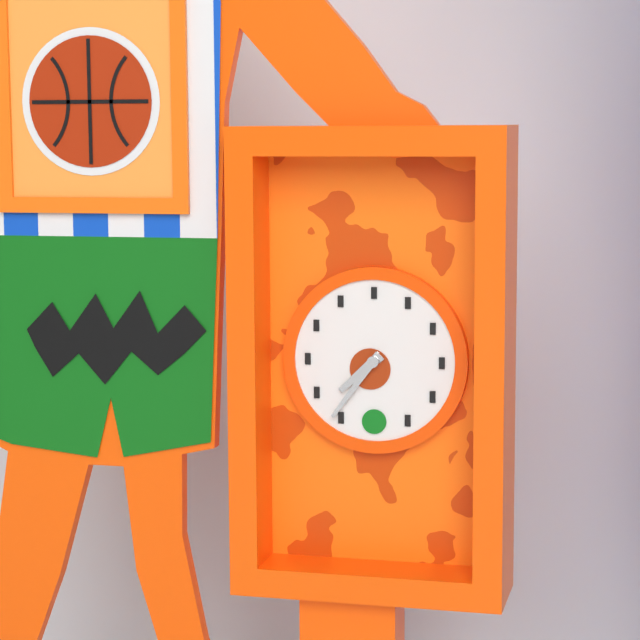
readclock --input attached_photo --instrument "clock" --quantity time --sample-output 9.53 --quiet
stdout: 7.36
